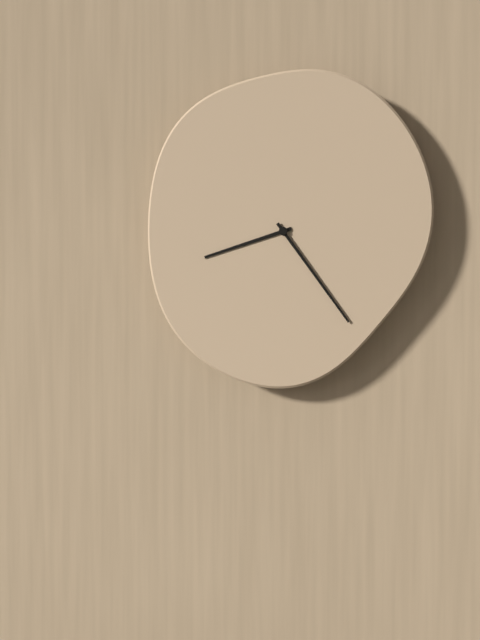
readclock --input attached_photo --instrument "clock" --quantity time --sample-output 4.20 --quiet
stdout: 8.24
